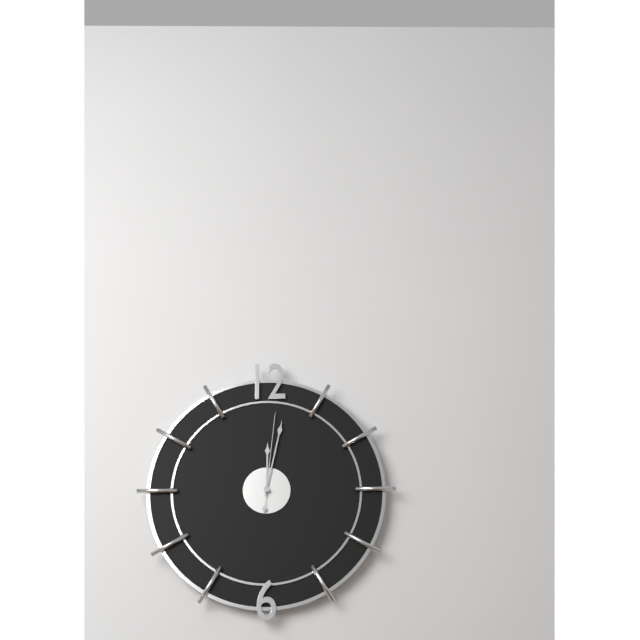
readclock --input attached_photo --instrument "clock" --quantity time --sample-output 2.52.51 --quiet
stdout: 12.02.01
